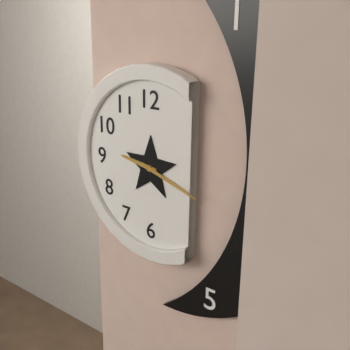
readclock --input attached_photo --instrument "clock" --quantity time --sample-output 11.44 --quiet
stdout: 9.18
